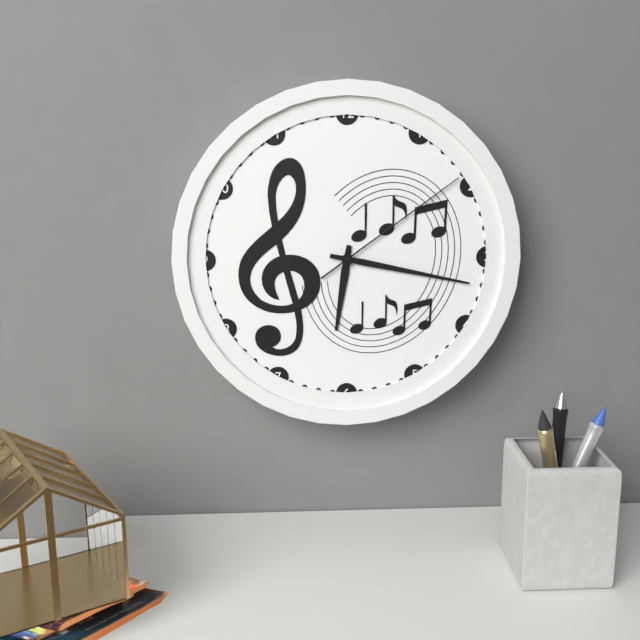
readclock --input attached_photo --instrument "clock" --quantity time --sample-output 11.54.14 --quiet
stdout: 6.17.09
